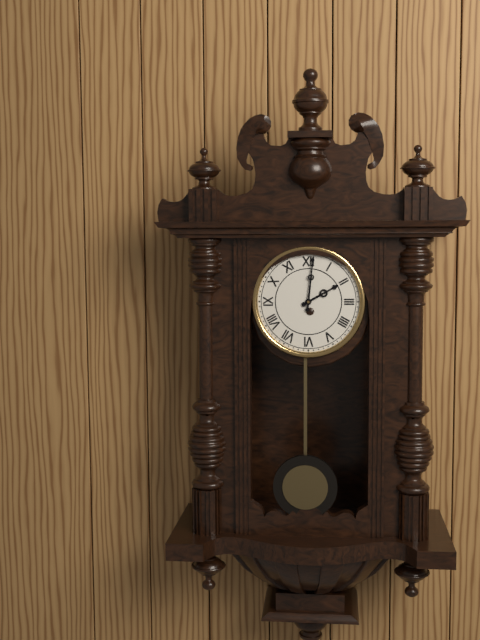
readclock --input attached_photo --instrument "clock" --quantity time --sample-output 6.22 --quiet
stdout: 2.01
